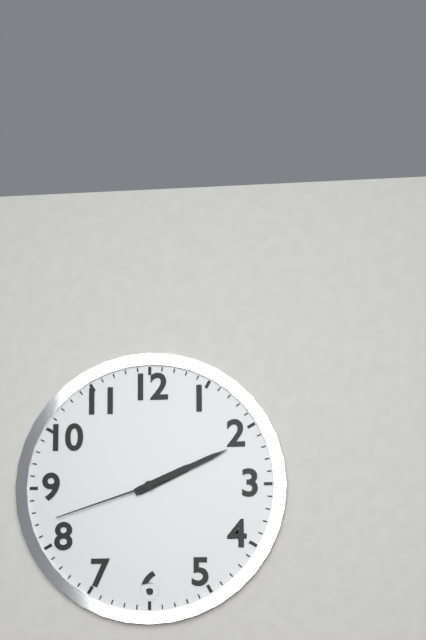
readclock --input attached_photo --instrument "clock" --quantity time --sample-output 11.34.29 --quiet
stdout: 2.11.42
